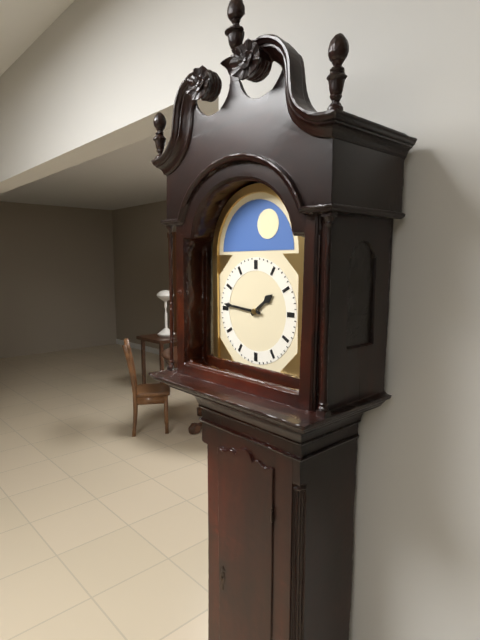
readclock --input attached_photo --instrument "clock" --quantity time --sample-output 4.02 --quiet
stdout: 1.46
